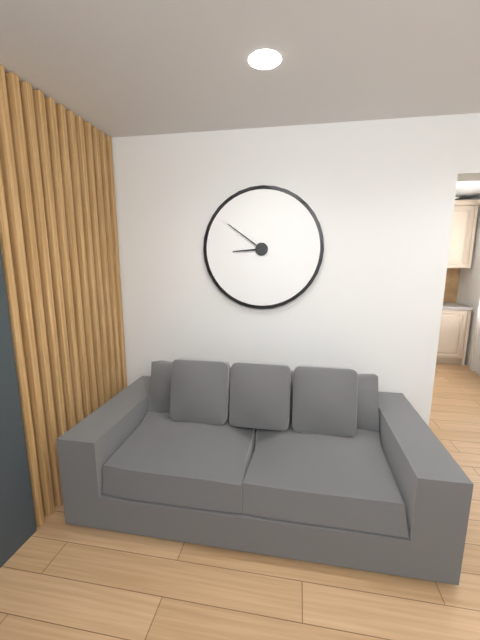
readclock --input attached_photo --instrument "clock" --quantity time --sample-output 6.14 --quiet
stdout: 8.51
